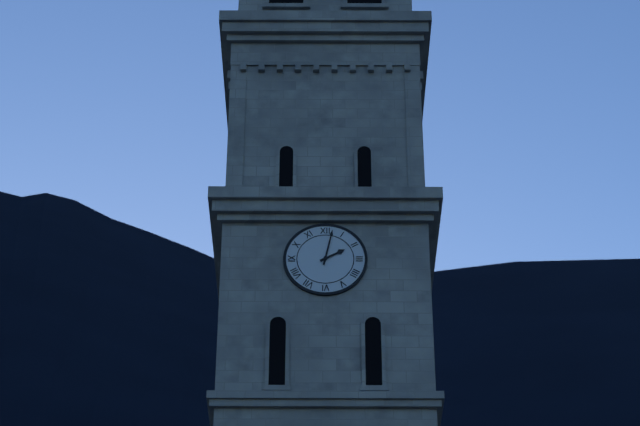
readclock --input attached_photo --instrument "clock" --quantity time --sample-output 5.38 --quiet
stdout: 2.02
